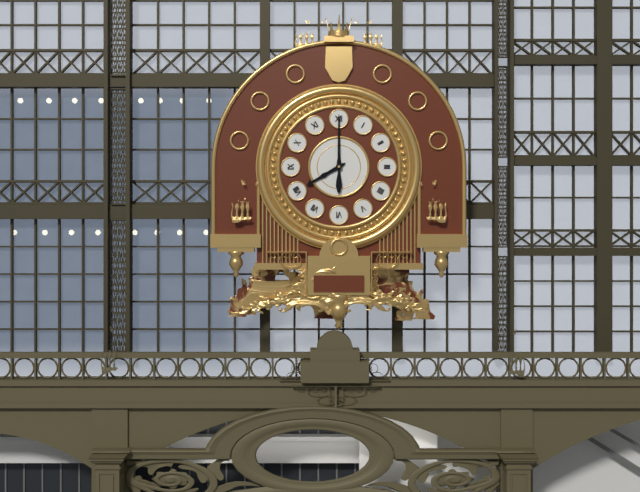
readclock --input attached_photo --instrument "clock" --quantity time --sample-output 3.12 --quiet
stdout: 8.00
